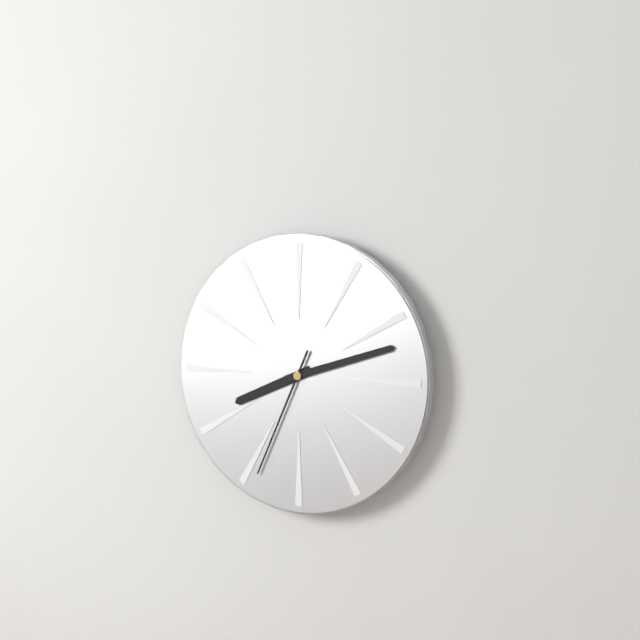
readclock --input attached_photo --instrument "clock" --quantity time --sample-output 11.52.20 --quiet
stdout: 8.12.34
